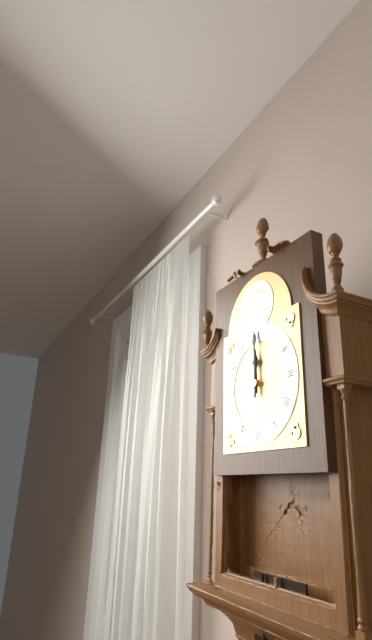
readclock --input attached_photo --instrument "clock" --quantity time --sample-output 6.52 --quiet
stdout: 12.00
